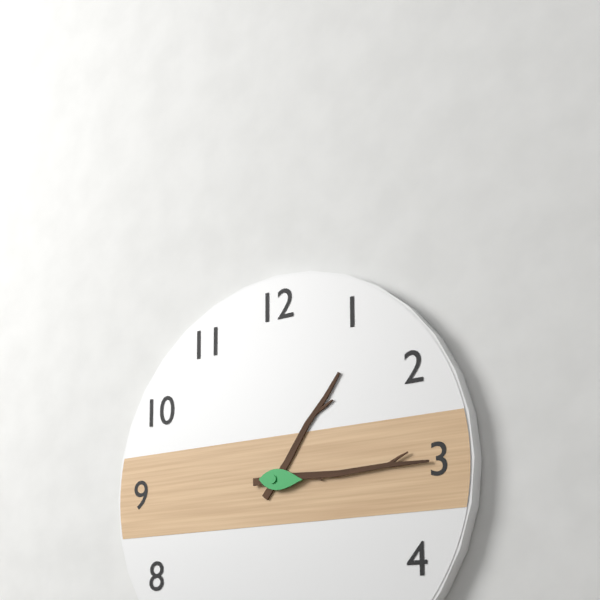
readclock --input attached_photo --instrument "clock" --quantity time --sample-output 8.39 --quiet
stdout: 1.15
